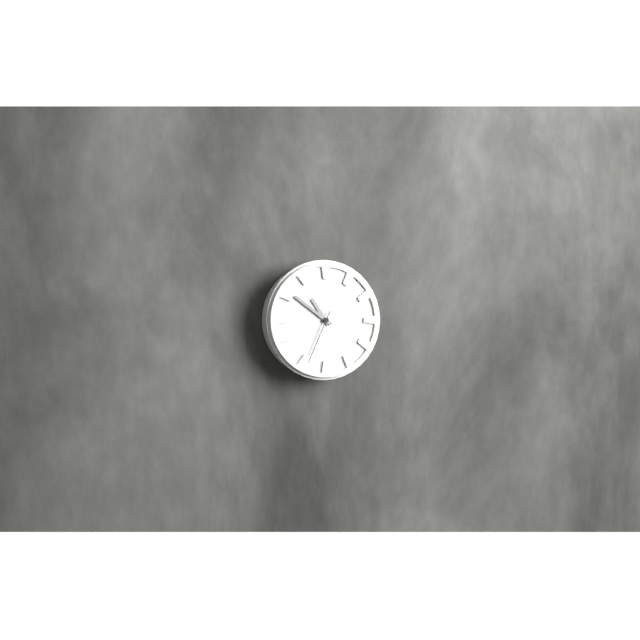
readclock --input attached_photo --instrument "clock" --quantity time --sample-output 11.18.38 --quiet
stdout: 10.51.34
